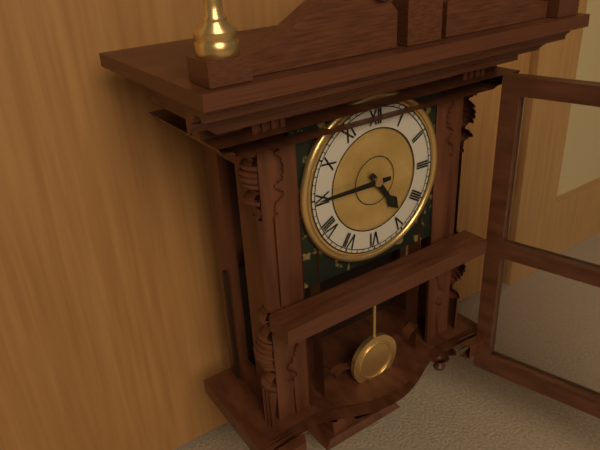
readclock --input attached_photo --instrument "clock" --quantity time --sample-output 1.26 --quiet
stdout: 4.45
